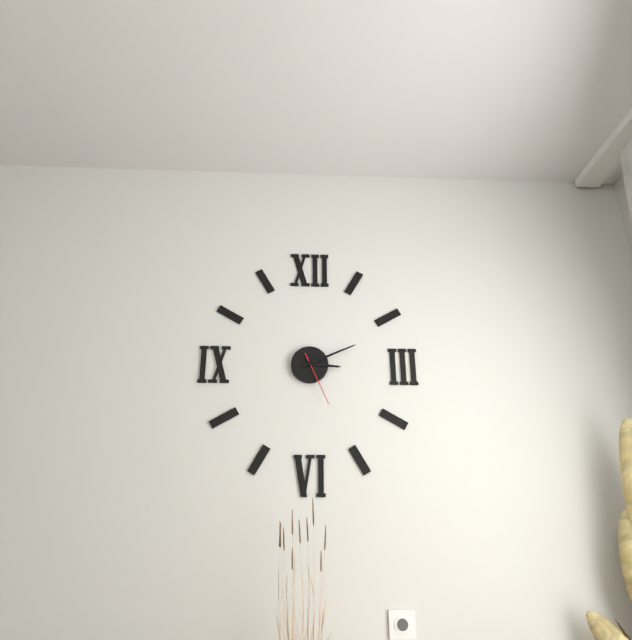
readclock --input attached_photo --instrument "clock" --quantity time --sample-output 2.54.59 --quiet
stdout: 3.11.26
